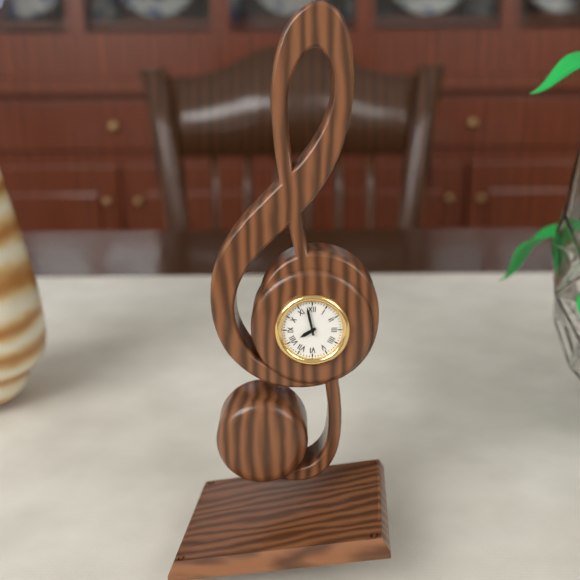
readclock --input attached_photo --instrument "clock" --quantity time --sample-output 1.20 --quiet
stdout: 7.58
